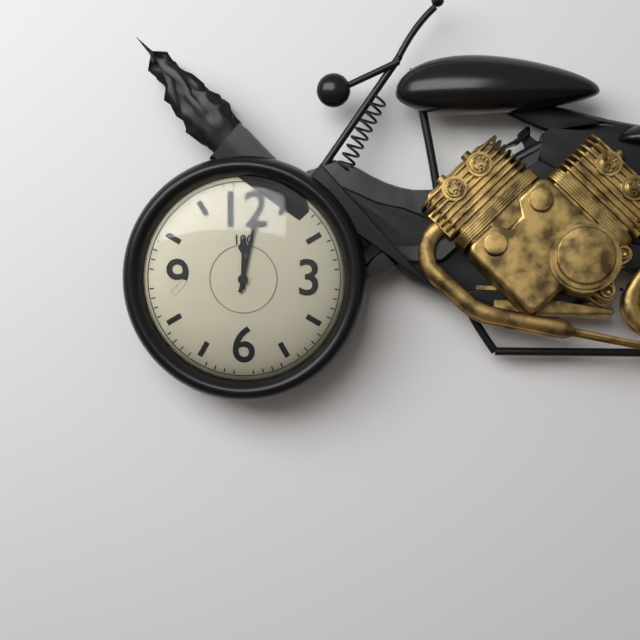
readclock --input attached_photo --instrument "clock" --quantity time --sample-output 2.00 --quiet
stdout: 12.02
